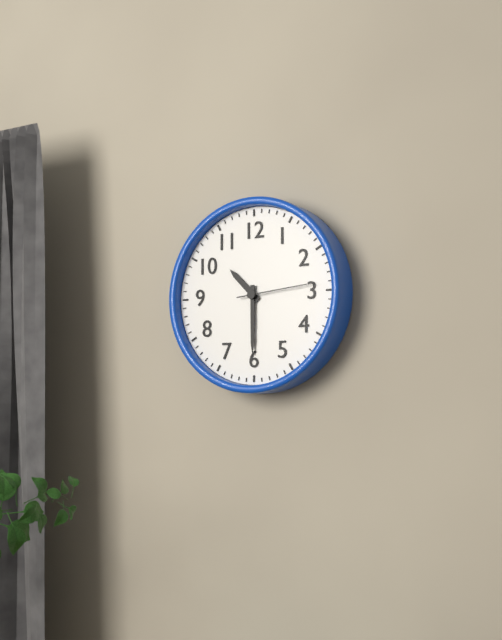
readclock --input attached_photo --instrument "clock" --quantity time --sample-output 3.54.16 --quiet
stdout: 10.30.14
